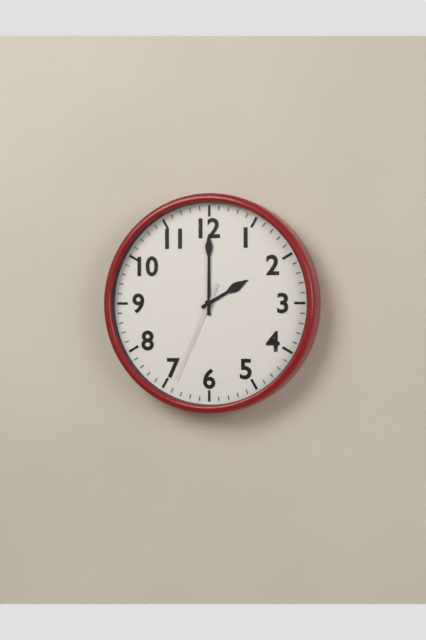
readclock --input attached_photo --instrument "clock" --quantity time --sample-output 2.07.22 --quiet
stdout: 2.00.34
